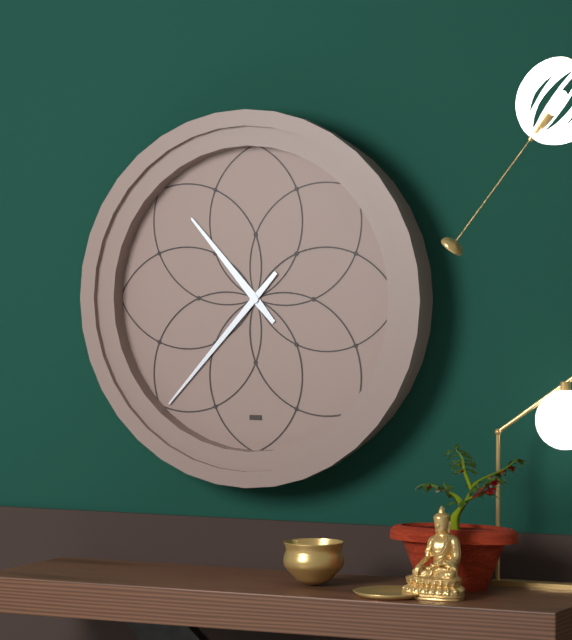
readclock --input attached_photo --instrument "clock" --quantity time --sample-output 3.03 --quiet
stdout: 10.37
